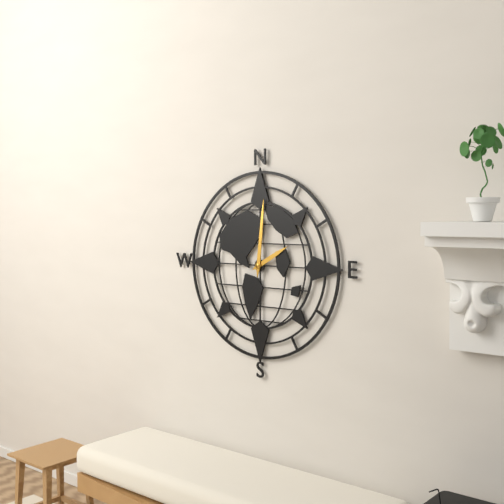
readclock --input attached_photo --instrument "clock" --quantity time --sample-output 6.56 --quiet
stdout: 2.01
